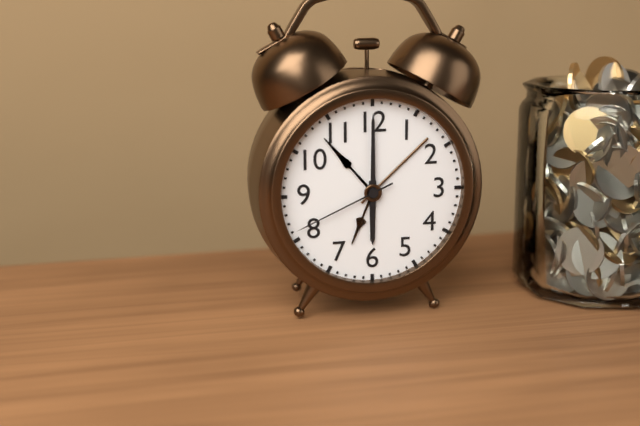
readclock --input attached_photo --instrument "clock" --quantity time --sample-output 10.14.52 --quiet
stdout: 6.00.41
